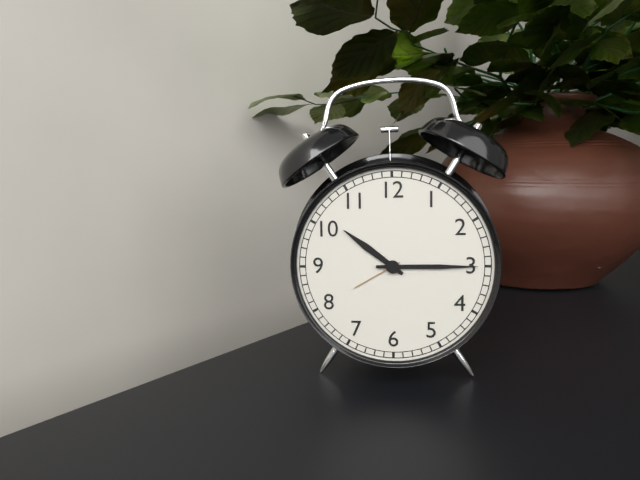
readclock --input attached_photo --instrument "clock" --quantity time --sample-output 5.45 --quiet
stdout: 10.15
